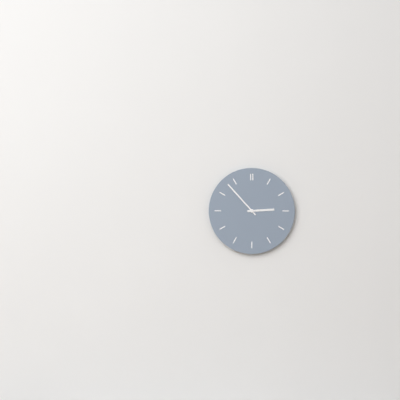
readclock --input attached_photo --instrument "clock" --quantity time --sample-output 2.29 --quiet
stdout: 2.53
